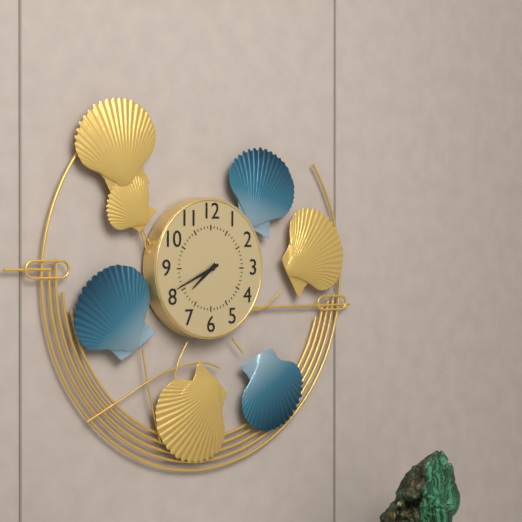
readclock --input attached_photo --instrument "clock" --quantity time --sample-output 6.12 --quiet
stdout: 7.41
